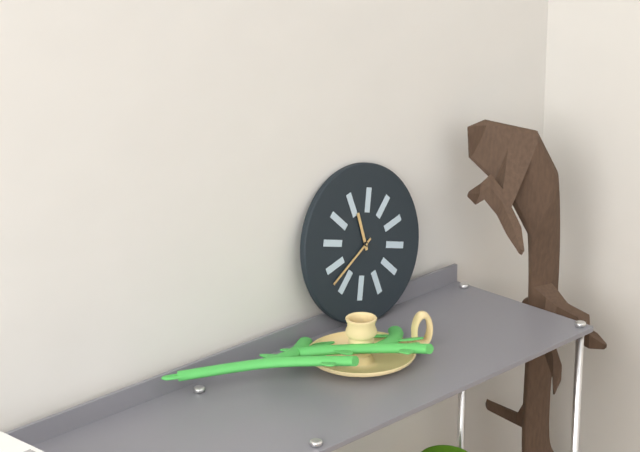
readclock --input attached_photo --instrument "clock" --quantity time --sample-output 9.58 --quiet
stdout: 11.40
